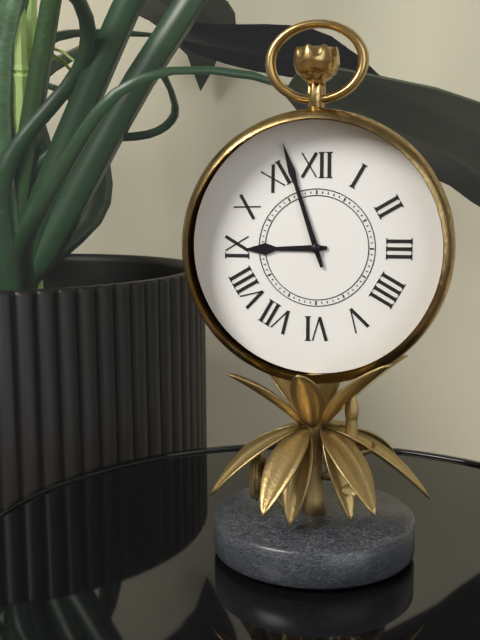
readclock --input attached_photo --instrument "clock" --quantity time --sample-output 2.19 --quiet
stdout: 8.57
